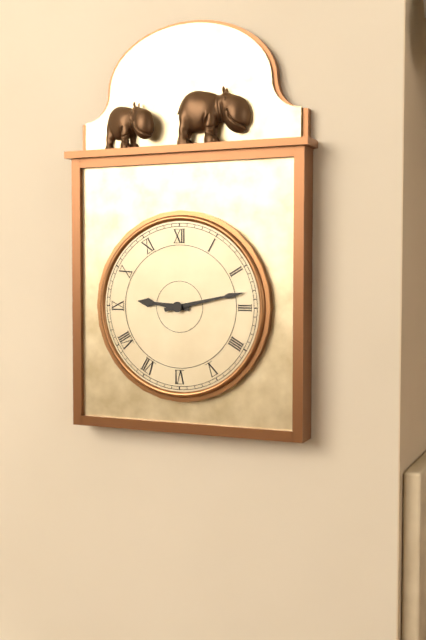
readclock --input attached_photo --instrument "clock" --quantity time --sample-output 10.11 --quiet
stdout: 9.13
